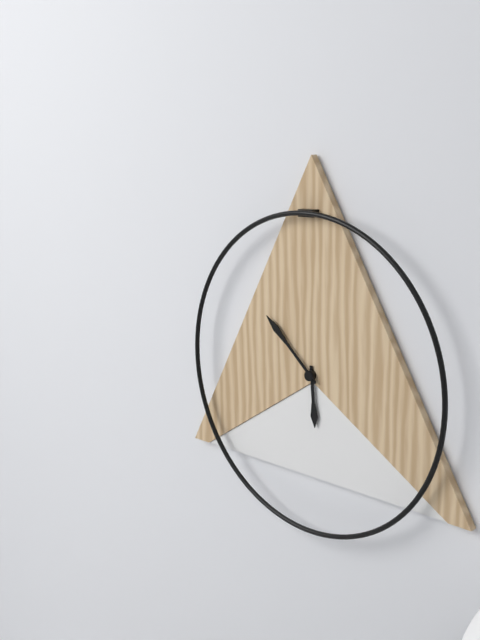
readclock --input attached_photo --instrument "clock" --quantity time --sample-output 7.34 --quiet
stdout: 5.52
